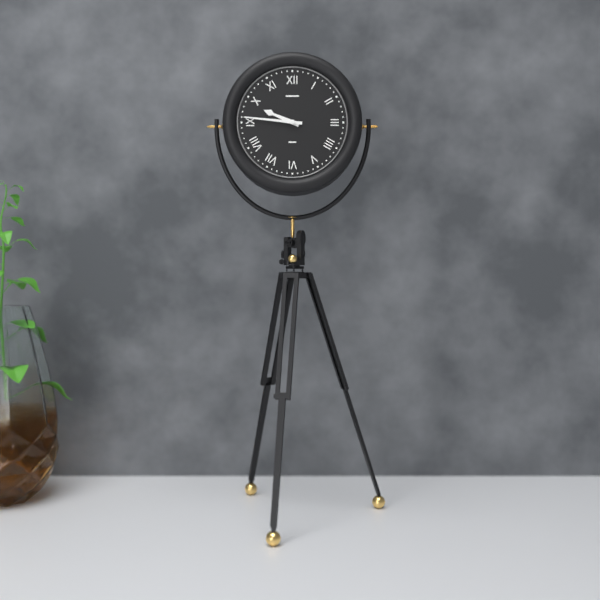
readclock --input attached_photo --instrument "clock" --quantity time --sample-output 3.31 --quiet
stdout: 9.46
